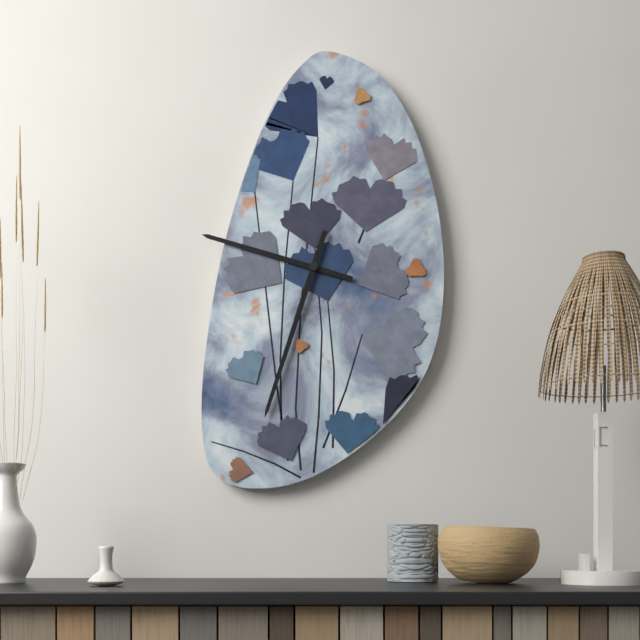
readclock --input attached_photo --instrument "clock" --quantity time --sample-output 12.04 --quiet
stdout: 9.33
